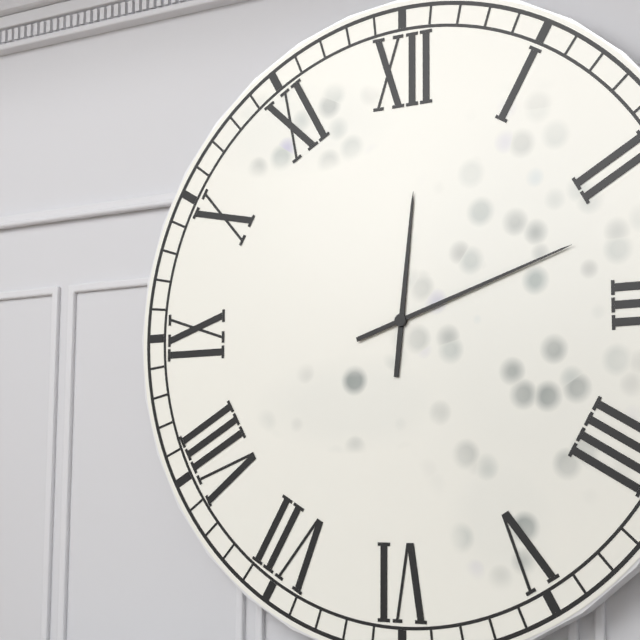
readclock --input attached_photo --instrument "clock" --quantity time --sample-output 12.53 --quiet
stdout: 12.12
